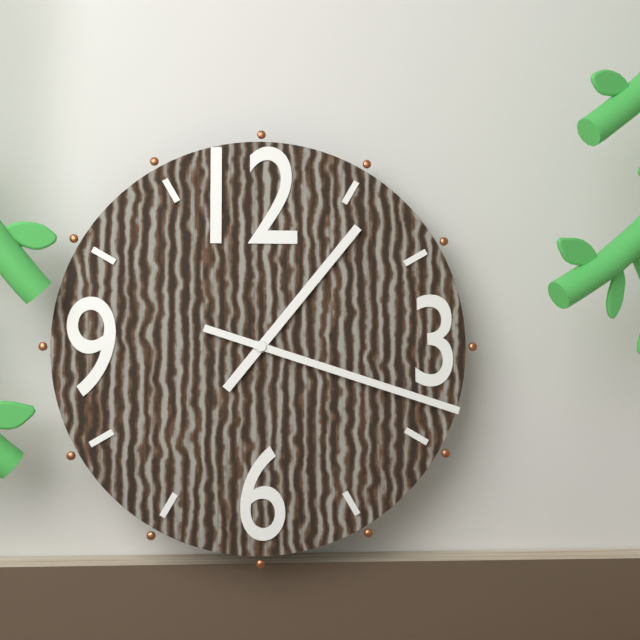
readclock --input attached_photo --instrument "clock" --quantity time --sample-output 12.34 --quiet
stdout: 1.18
